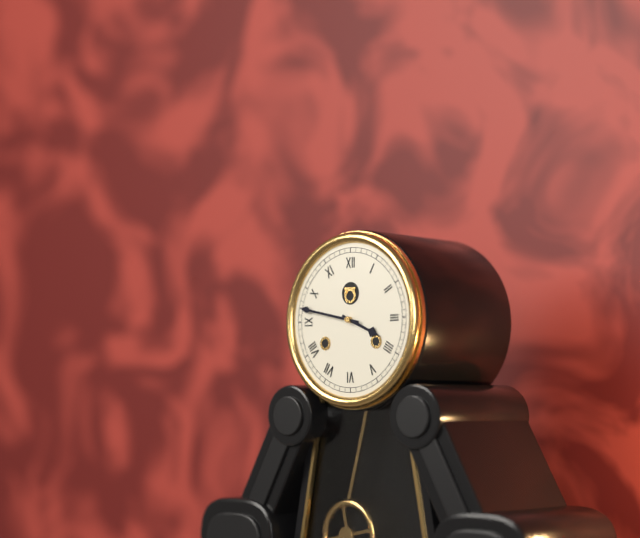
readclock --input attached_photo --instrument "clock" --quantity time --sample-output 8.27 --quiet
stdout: 3.47
